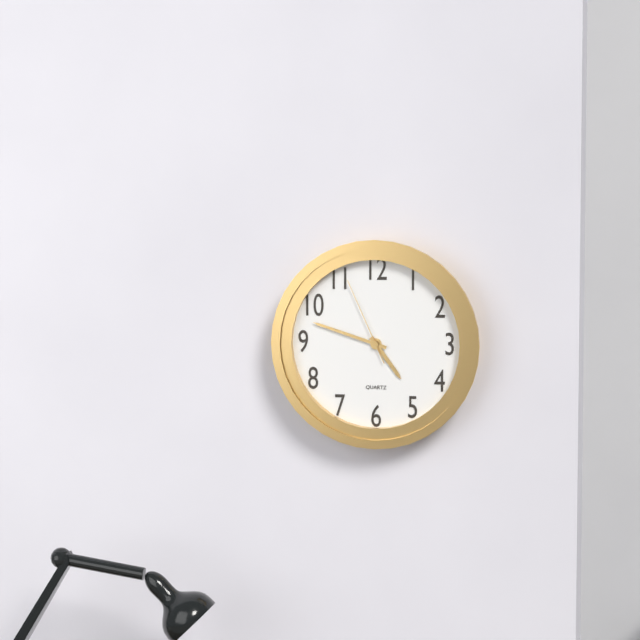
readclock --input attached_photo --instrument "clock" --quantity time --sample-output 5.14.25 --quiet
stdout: 4.48.56
